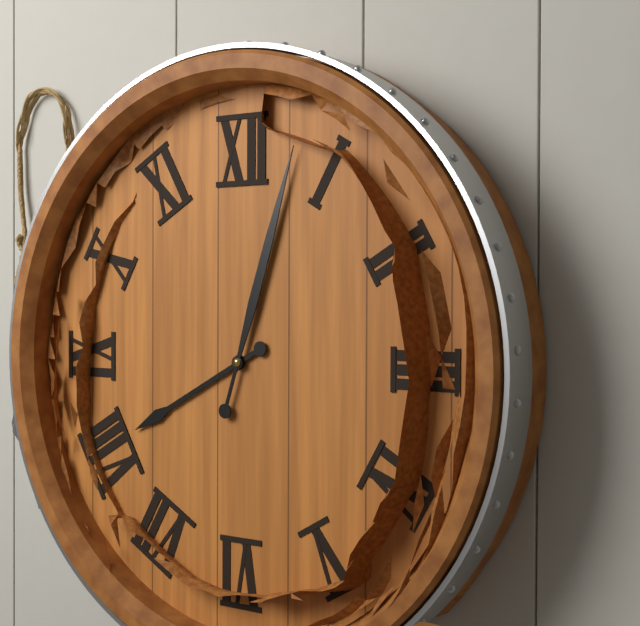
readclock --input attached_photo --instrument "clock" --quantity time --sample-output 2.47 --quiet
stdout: 8.03
